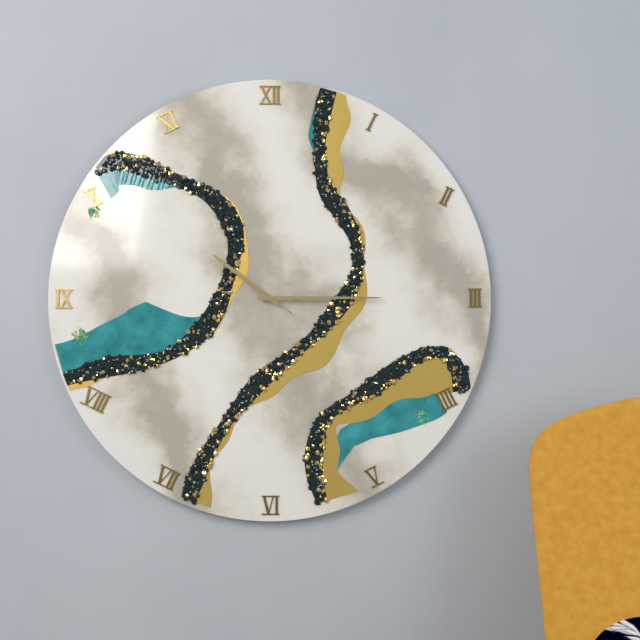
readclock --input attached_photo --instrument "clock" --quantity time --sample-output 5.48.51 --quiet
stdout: 10.15.51
